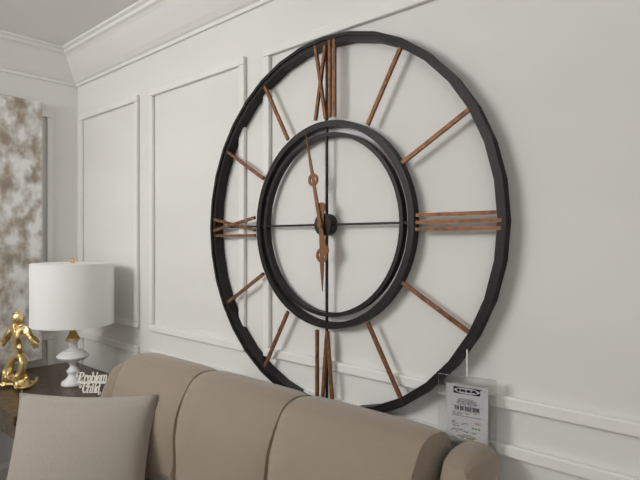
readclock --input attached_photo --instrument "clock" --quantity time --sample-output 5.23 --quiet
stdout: 5.58
